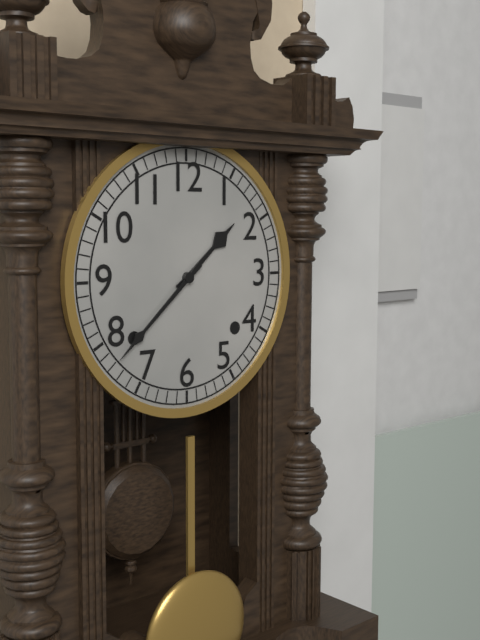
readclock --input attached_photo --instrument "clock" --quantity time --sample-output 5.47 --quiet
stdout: 1.38
